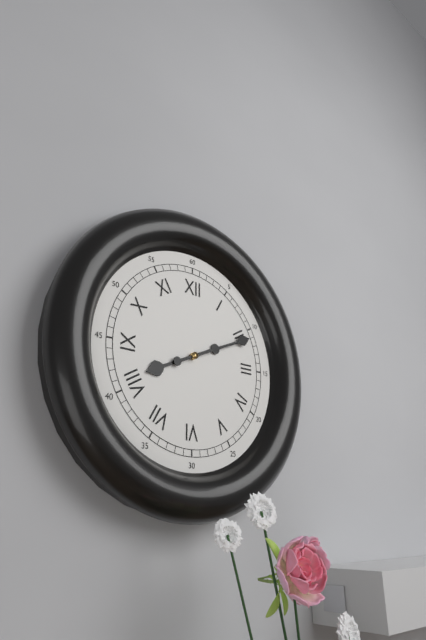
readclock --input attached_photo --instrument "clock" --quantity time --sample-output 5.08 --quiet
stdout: 8.11
